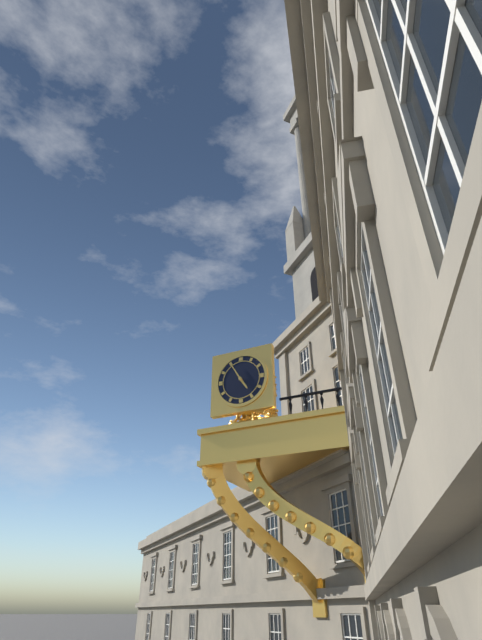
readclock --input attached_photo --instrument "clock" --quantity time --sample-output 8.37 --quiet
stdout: 4.55
